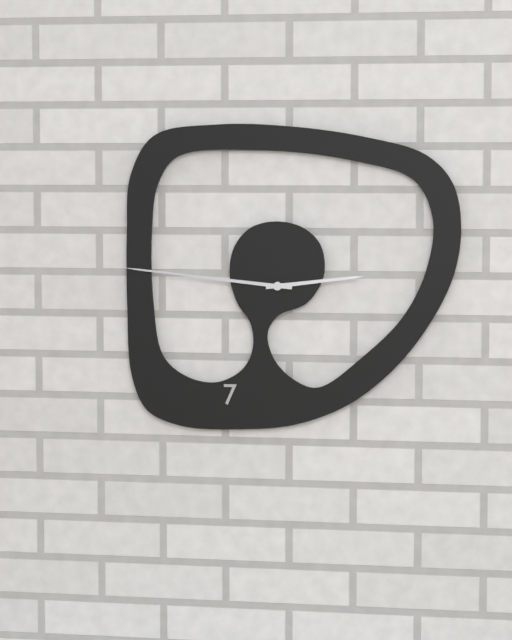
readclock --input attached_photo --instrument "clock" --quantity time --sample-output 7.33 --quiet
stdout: 2.46
